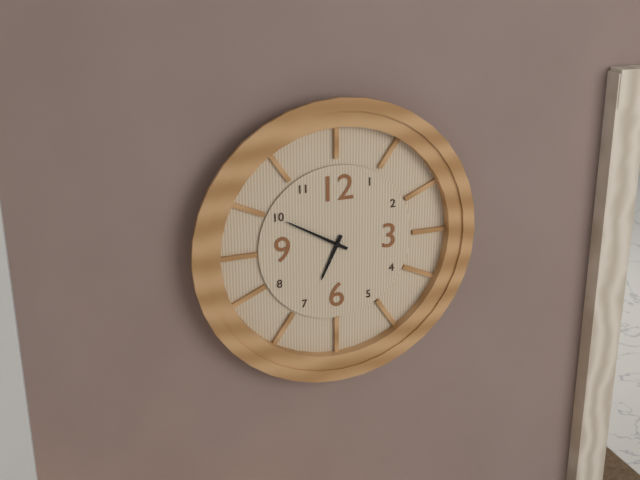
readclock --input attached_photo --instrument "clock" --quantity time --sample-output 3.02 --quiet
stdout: 6.50
